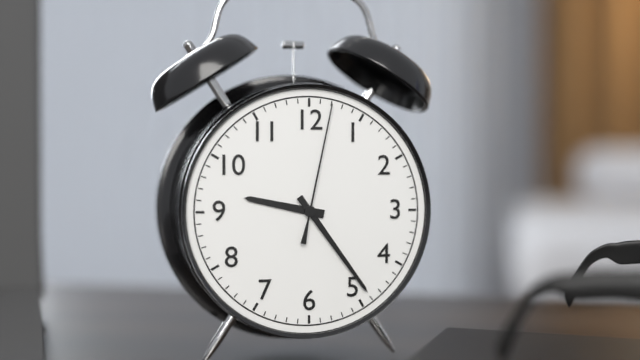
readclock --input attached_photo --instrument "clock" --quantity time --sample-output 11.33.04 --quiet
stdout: 9.24.02
